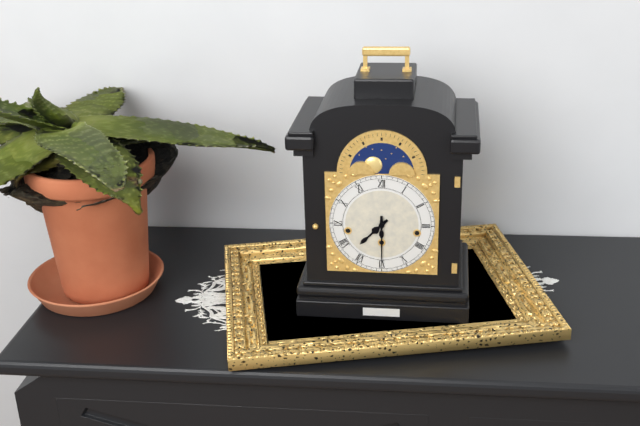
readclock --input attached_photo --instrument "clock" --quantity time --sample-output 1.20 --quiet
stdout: 7.30
